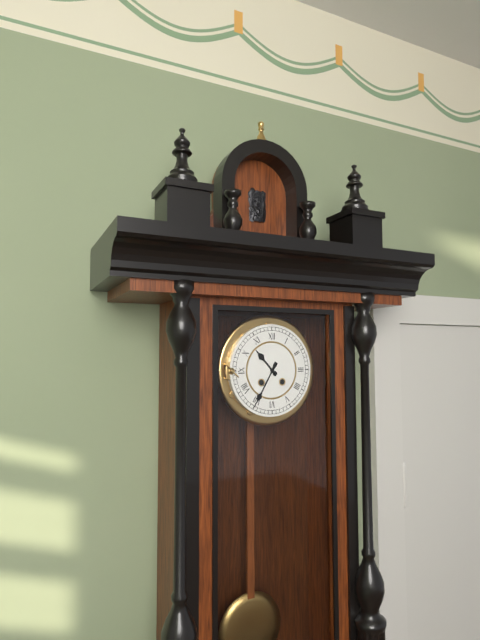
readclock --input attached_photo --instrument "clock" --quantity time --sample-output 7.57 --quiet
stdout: 10.35
